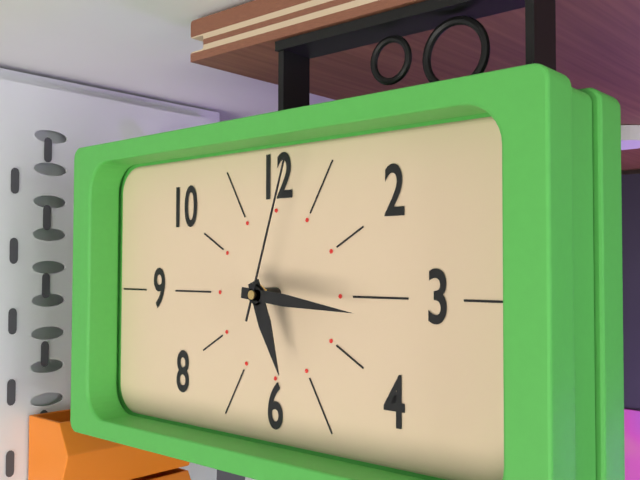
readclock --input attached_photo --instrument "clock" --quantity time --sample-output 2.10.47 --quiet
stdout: 5.16.03
